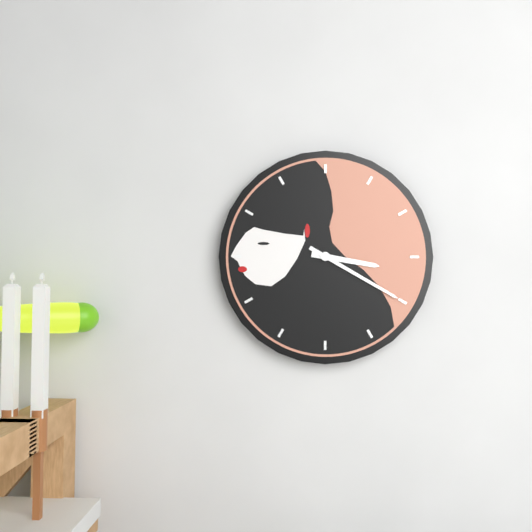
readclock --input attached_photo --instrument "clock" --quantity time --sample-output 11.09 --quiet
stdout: 3.20
